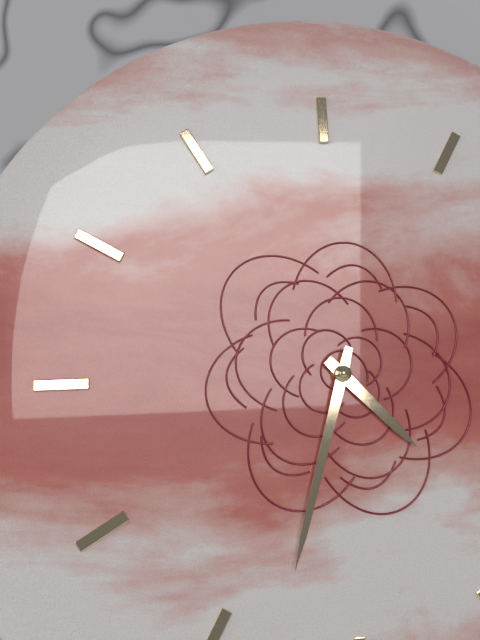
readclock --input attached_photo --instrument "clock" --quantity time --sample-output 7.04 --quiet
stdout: 4.33
